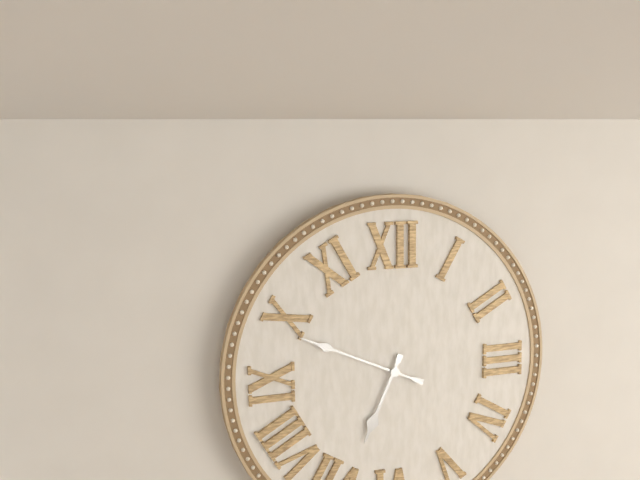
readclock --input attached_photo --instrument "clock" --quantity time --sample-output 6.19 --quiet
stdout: 6.49
